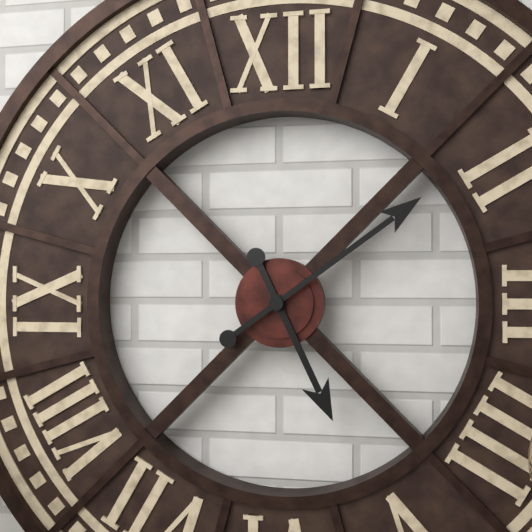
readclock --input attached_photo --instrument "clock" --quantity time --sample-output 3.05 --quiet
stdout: 5.09
